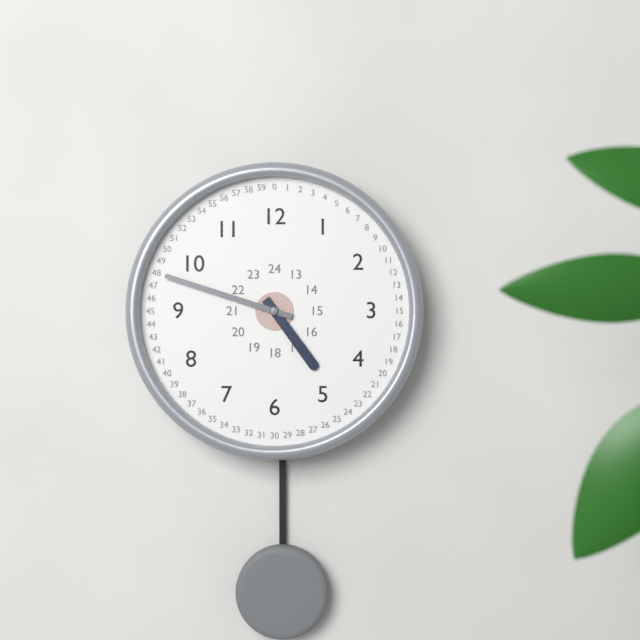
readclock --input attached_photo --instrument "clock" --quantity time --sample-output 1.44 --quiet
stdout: 4.48
